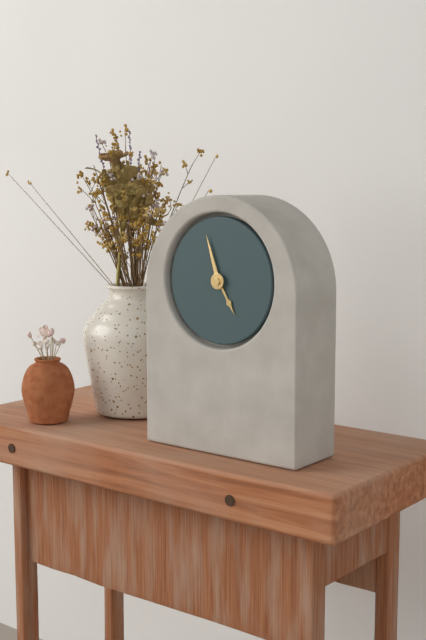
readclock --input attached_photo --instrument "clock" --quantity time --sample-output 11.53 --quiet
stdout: 4.57
